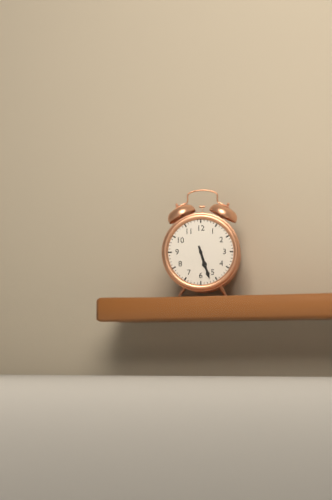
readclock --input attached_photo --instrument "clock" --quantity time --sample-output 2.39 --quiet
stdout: 5.27
